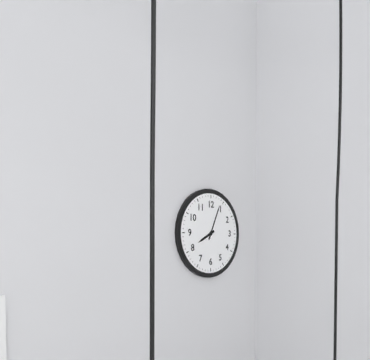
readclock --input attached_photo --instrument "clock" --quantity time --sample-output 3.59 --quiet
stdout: 8.04
